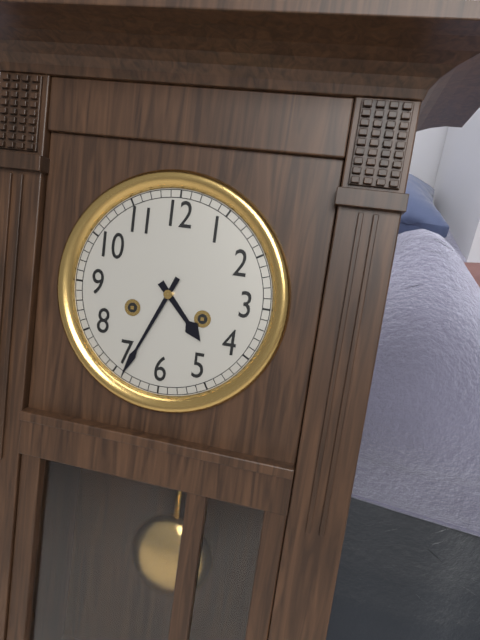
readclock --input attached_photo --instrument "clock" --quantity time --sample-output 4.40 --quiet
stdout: 4.34
